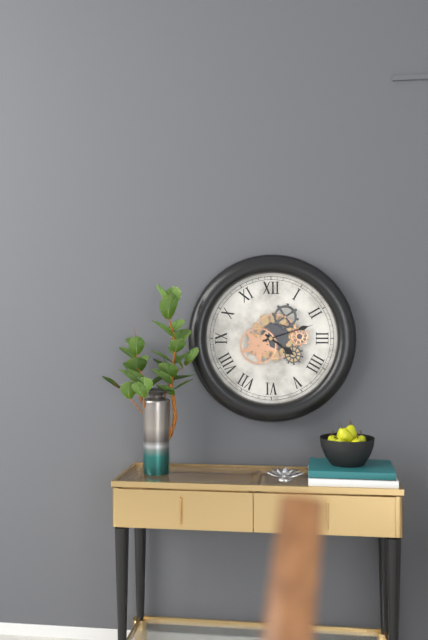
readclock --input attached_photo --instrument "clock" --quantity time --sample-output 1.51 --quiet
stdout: 4.12
